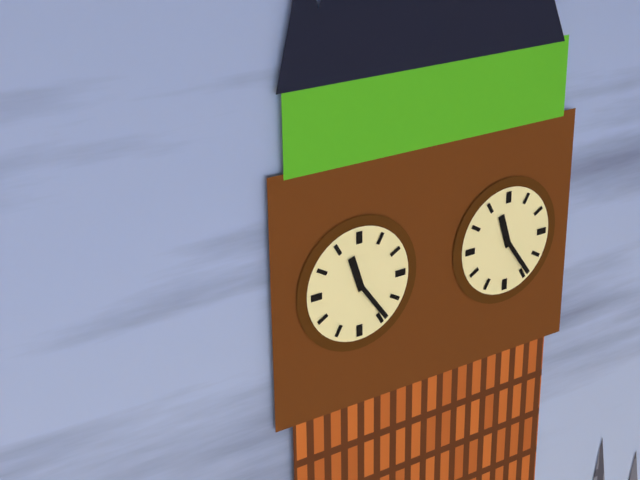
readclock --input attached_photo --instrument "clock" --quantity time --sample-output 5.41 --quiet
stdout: 11.24
